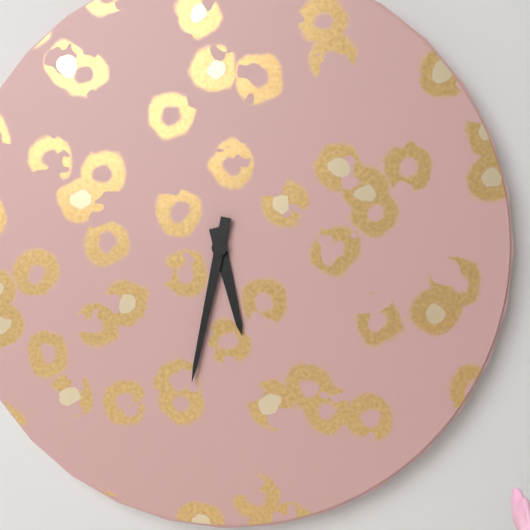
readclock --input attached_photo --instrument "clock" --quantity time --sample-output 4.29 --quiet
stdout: 5.32
